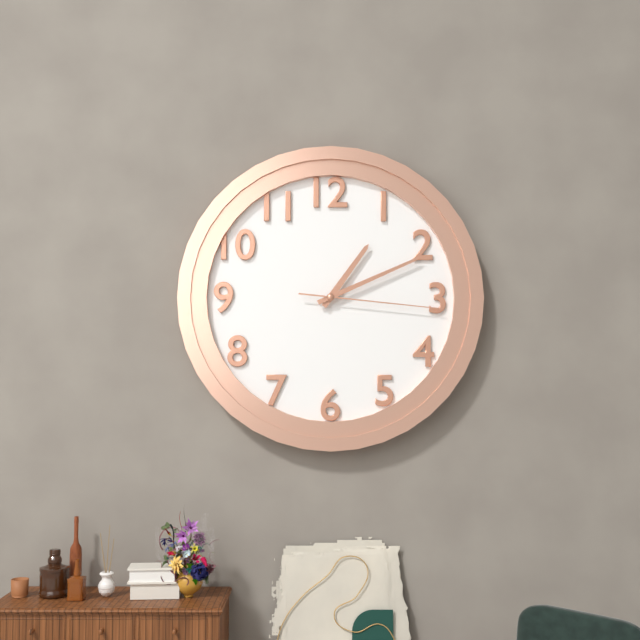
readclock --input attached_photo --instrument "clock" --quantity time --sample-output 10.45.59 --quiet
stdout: 1.11.16
